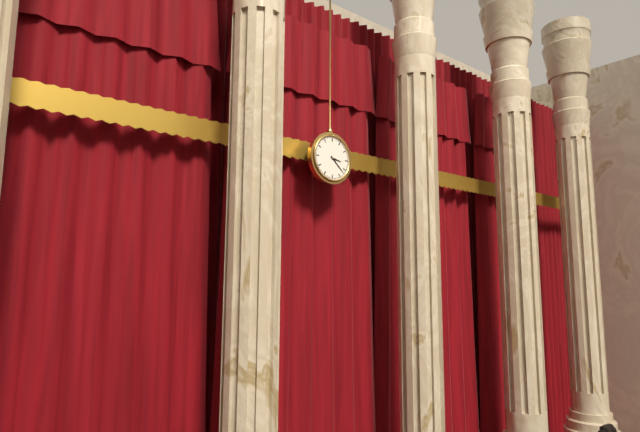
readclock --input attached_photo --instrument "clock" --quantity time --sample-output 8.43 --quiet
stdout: 3.22
